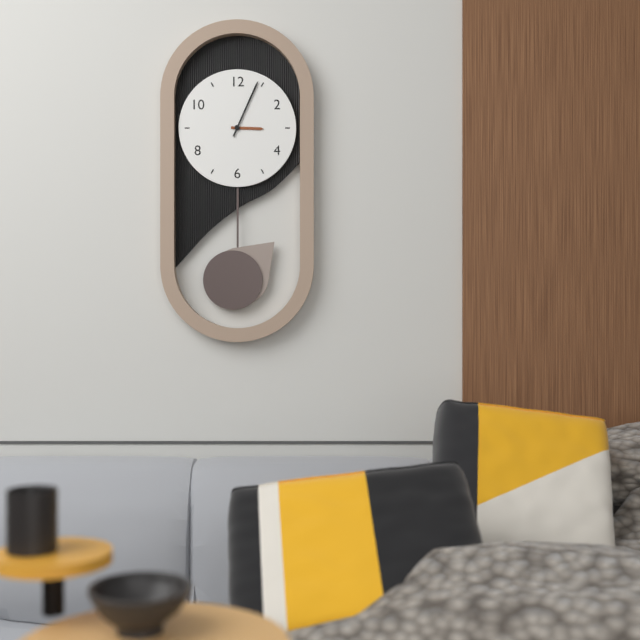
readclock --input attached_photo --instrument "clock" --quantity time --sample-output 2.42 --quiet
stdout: 3.04
